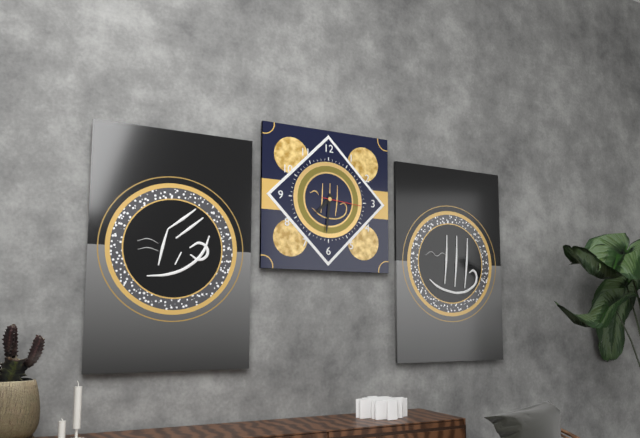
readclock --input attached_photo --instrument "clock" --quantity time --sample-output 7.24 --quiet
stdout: 7.31
